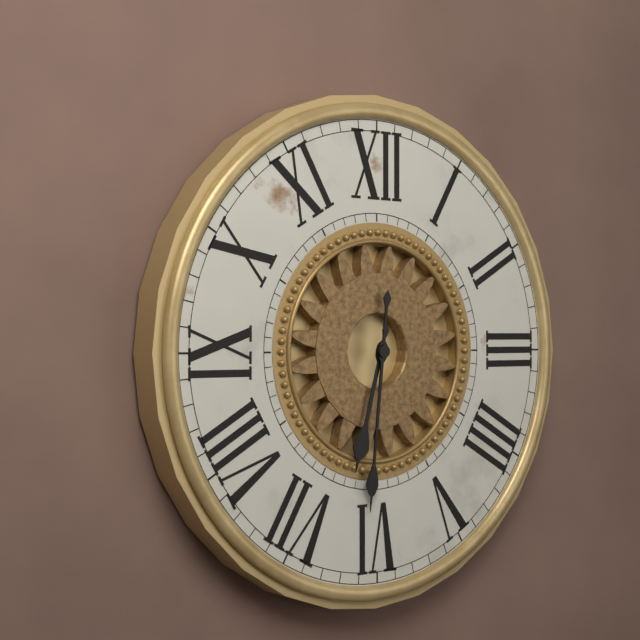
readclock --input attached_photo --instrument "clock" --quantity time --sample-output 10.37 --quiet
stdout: 6.31
